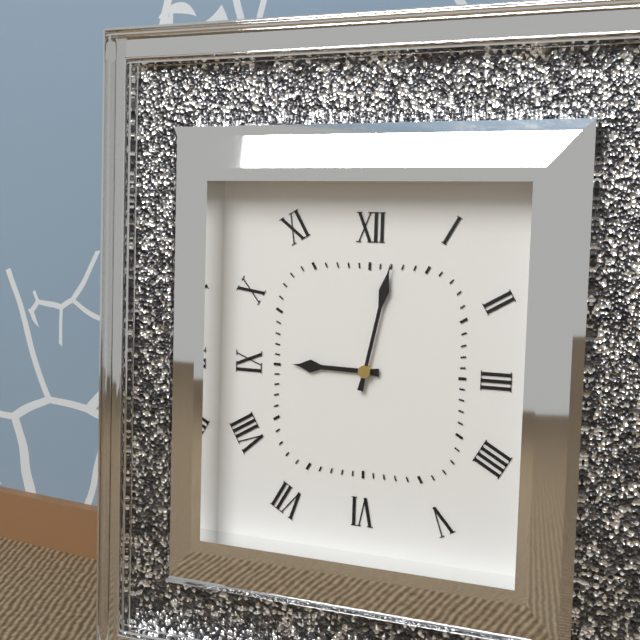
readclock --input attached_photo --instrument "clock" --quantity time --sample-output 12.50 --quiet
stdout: 9.02
